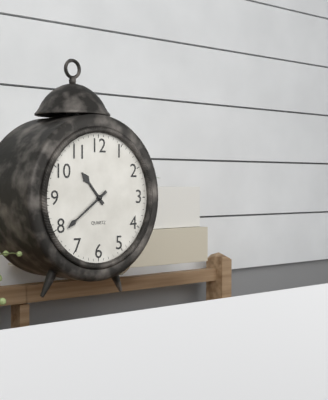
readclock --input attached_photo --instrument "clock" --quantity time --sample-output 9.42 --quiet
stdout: 10.39
